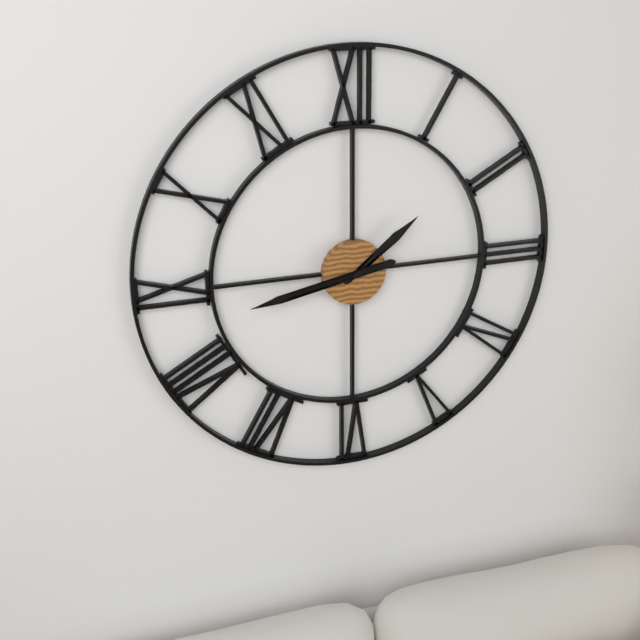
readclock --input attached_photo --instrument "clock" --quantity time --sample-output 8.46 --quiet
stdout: 1.43
